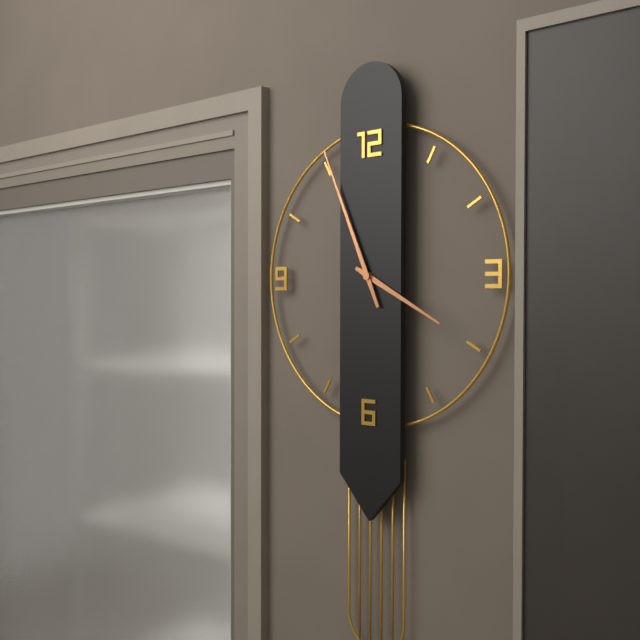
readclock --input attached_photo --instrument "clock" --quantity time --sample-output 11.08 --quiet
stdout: 3.56
